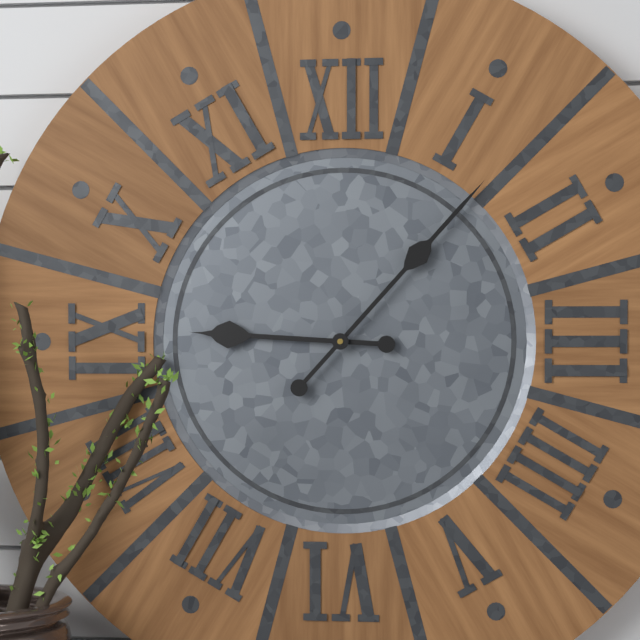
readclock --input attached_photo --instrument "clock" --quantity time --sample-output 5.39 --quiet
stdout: 9.07
